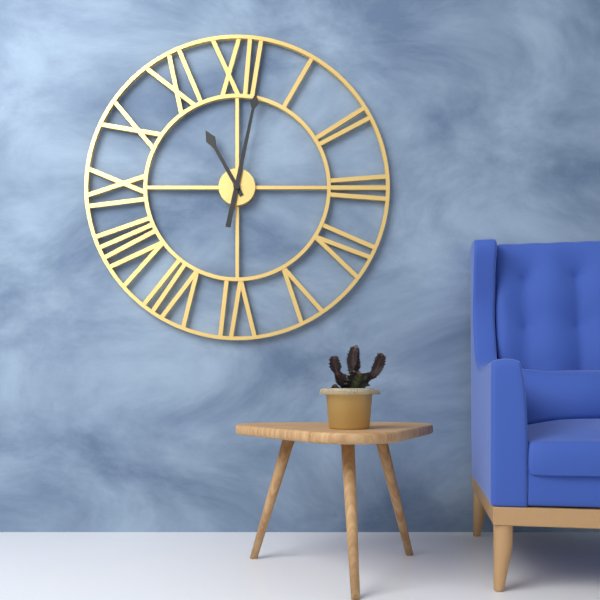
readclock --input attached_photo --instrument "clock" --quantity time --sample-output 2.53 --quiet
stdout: 11.02
